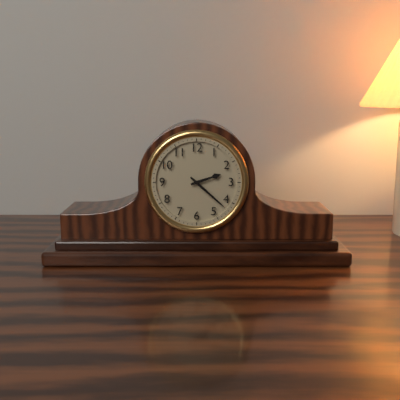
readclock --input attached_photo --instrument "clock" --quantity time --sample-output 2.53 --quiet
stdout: 2.22
